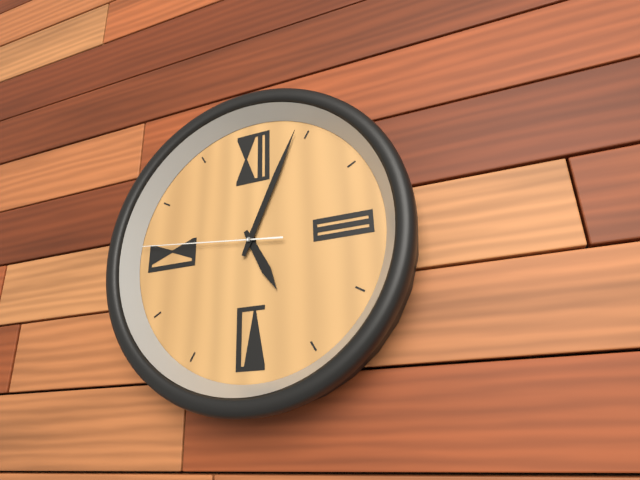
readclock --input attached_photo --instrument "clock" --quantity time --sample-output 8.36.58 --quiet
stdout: 5.04.46
